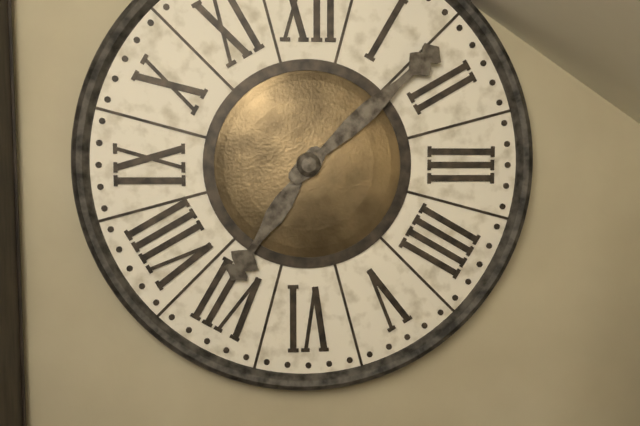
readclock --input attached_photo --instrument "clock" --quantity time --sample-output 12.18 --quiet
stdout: 7.08
